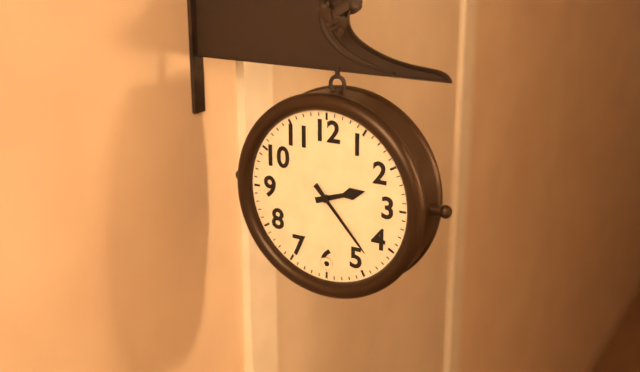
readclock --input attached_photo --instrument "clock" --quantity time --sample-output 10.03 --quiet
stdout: 2.23
